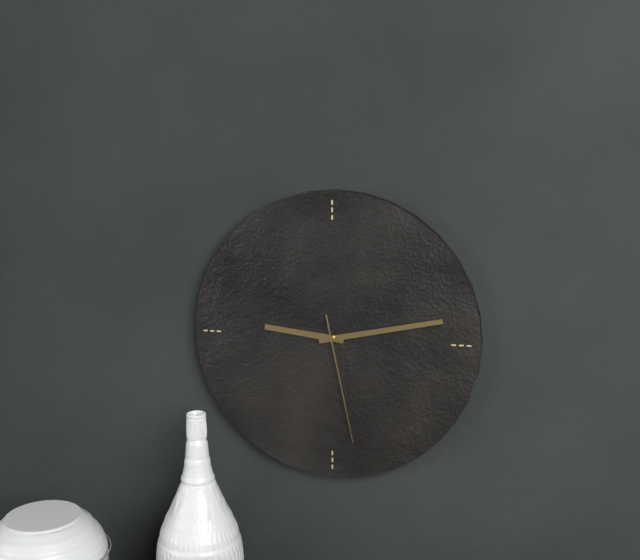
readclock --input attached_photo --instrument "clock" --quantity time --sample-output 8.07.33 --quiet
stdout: 9.13.28
